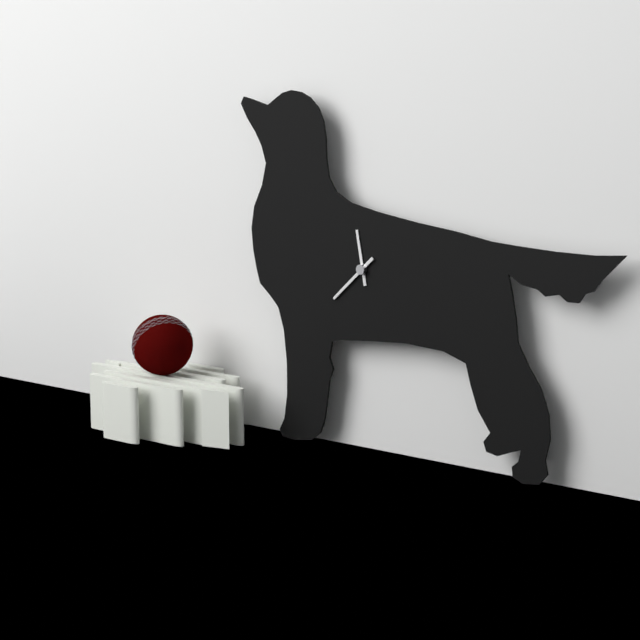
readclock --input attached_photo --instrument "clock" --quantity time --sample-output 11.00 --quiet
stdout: 11.38
